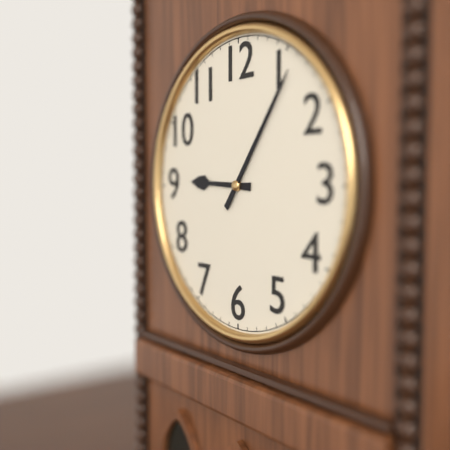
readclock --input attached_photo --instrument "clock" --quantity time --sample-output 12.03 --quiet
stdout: 9.06
